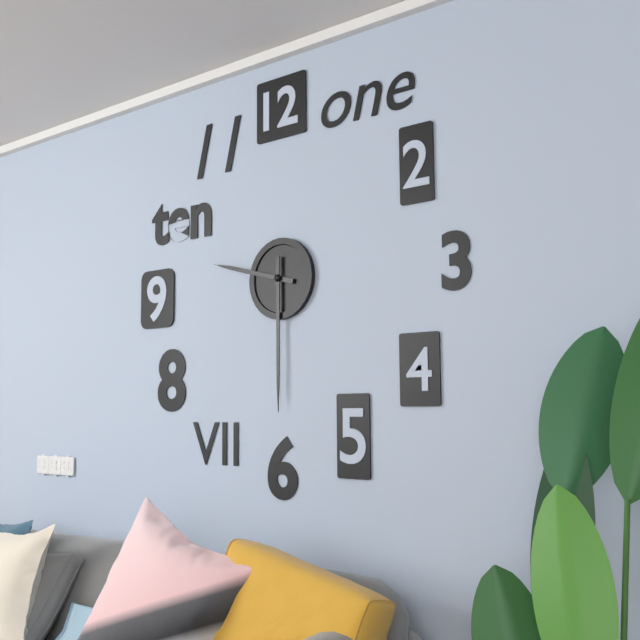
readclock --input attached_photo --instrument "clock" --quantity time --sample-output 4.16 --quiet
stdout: 9.30
